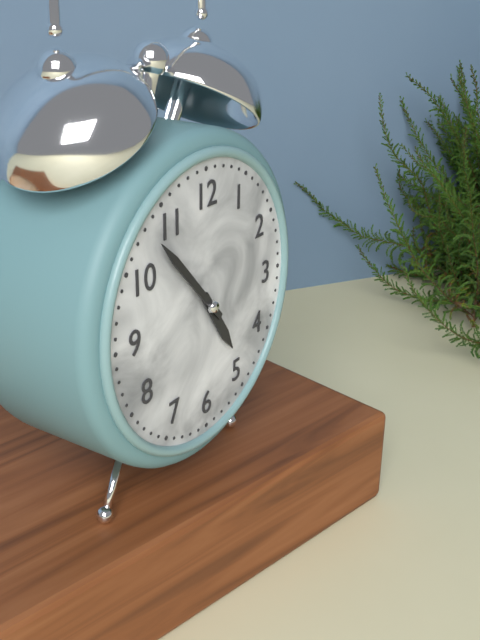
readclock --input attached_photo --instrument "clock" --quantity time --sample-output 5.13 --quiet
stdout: 4.53
